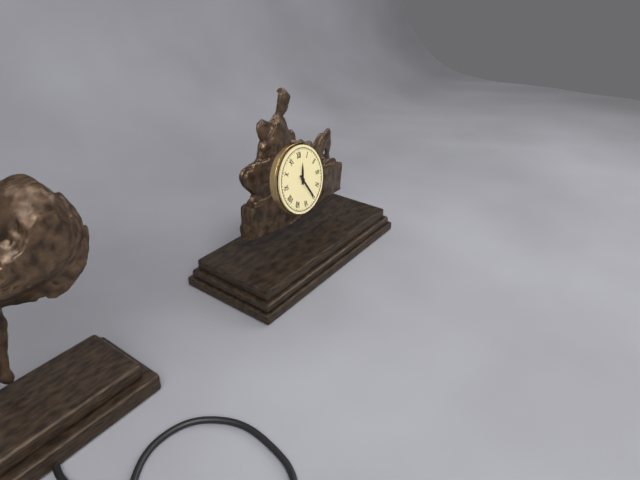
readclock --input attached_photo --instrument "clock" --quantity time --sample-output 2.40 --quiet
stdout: 12.25
